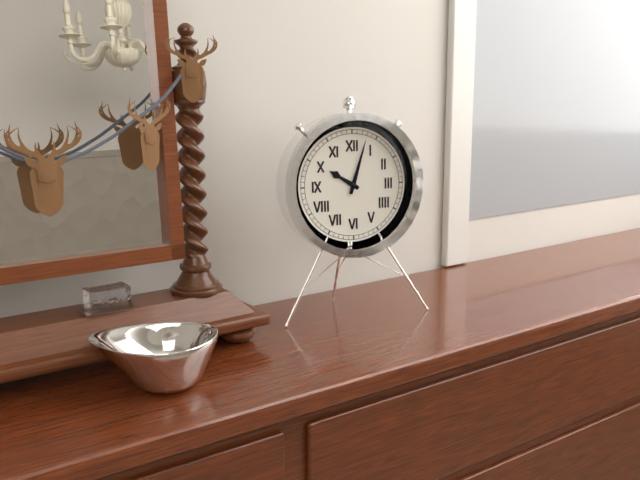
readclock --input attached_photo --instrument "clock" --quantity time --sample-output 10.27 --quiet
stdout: 10.03
